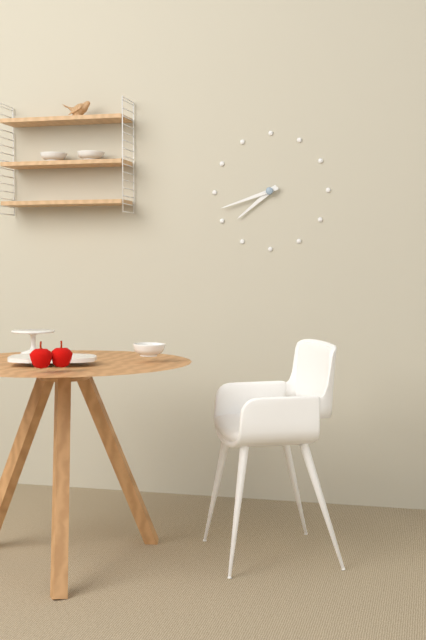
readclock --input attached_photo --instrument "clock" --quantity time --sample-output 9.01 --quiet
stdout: 7.42
